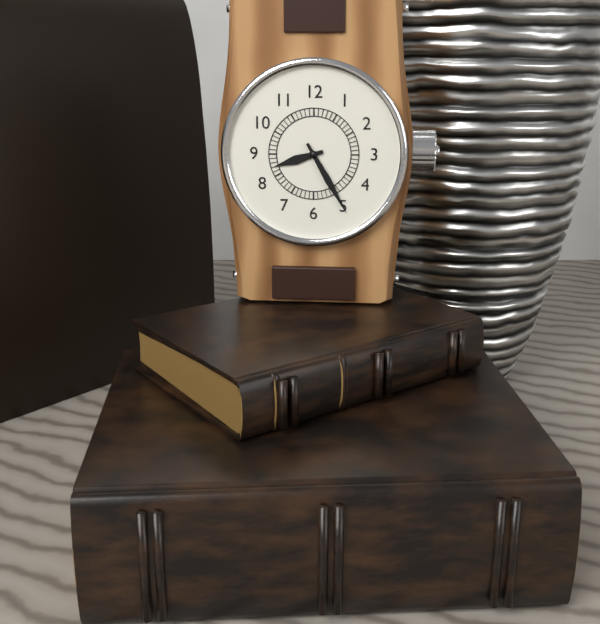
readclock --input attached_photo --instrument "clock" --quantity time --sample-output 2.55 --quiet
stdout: 8.25
